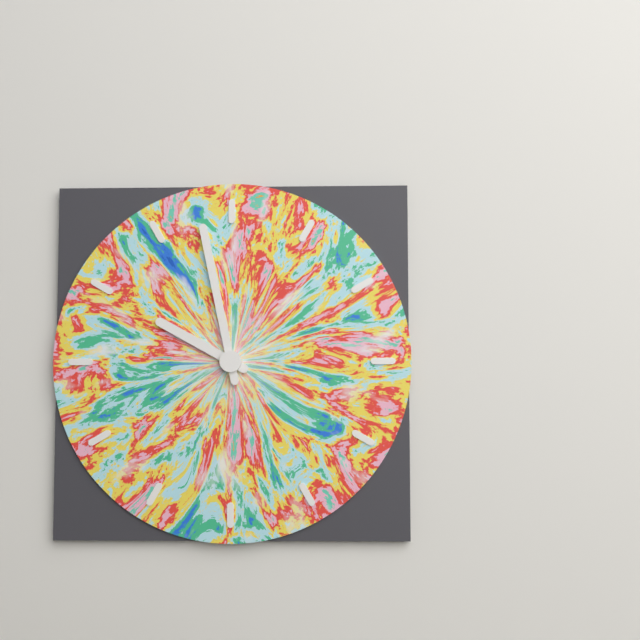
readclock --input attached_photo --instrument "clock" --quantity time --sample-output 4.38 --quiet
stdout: 9.58
